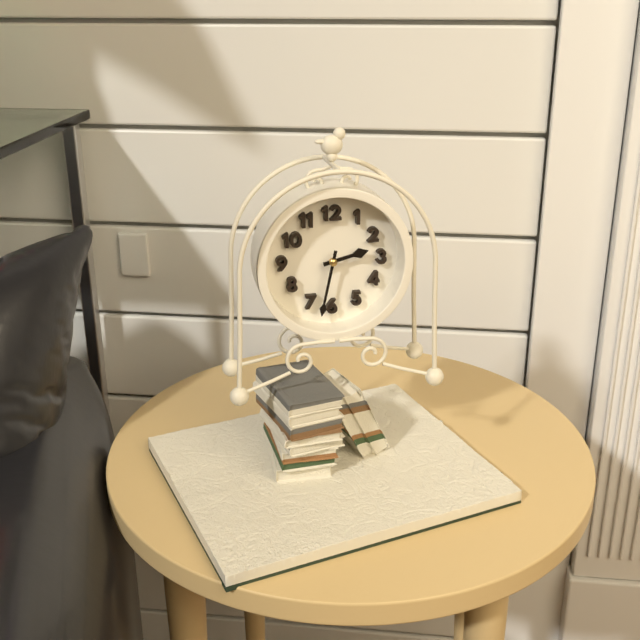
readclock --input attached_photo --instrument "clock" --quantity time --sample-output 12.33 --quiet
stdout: 2.32
